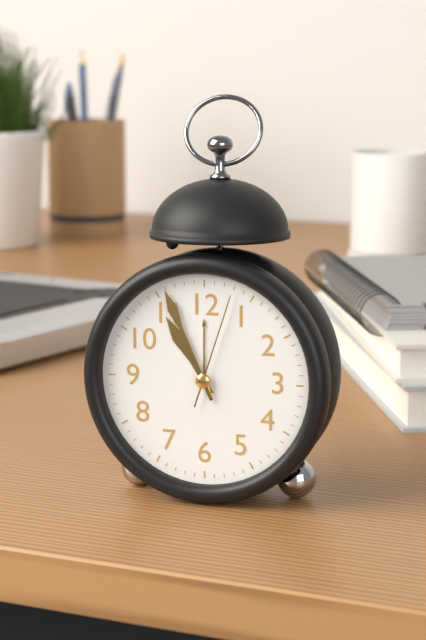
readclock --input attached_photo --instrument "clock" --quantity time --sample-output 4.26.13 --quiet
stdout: 10.56.03
